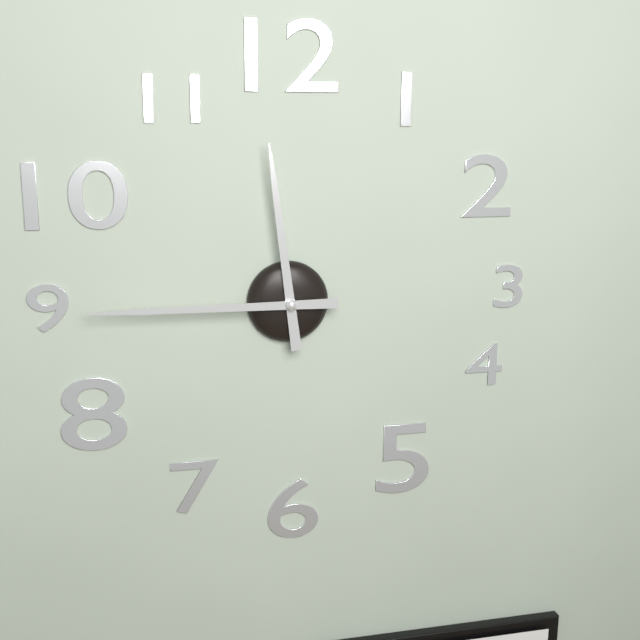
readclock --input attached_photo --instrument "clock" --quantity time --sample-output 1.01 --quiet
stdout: 11.45
